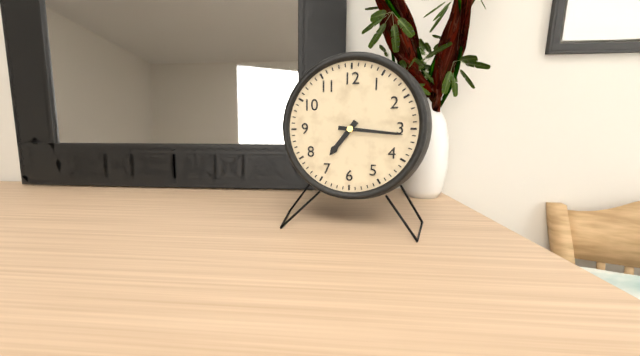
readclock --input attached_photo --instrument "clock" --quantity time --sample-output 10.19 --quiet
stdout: 7.16
